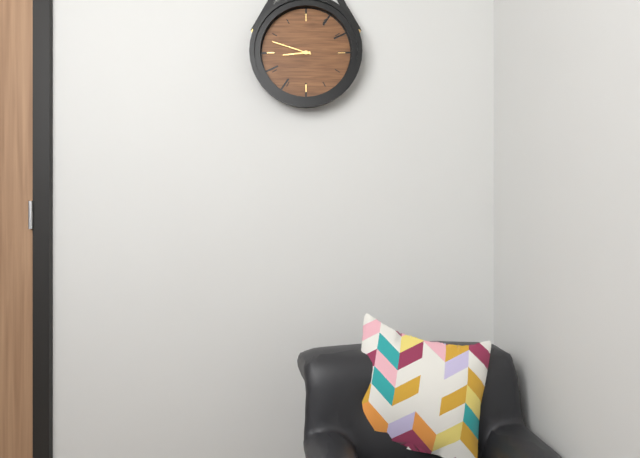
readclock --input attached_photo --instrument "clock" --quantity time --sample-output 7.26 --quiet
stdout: 8.48
